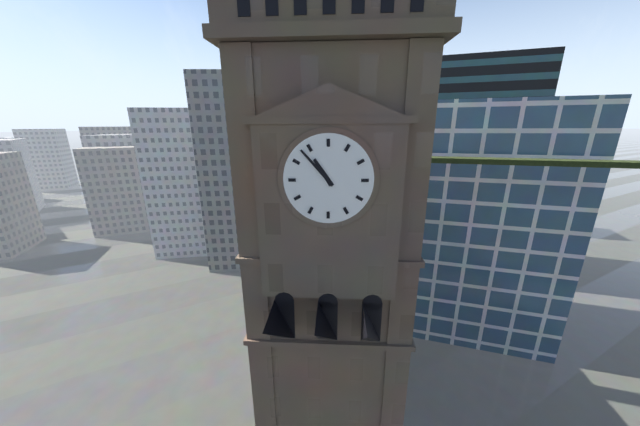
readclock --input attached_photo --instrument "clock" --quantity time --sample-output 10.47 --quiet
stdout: 10.53
